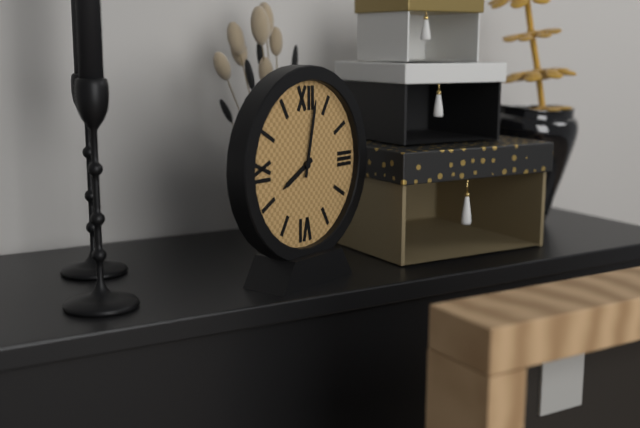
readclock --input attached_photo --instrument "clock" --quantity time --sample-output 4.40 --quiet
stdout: 8.02
